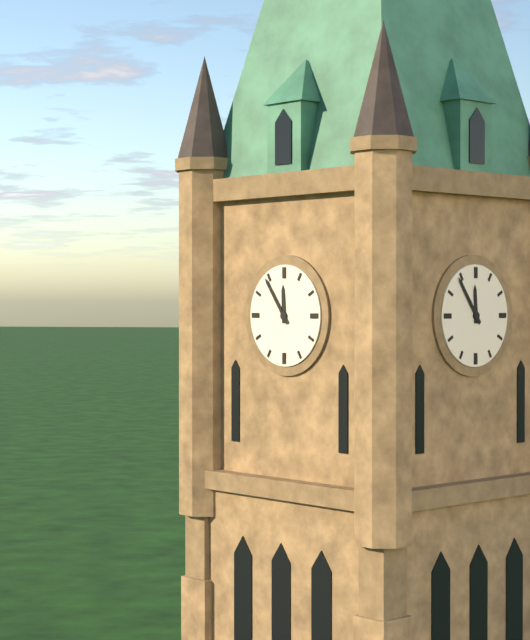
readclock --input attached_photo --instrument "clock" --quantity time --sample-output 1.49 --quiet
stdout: 11.54
